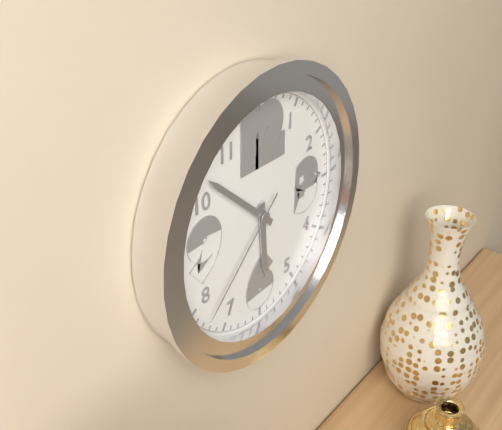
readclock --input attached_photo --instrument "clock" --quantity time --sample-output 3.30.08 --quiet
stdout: 5.52.38
